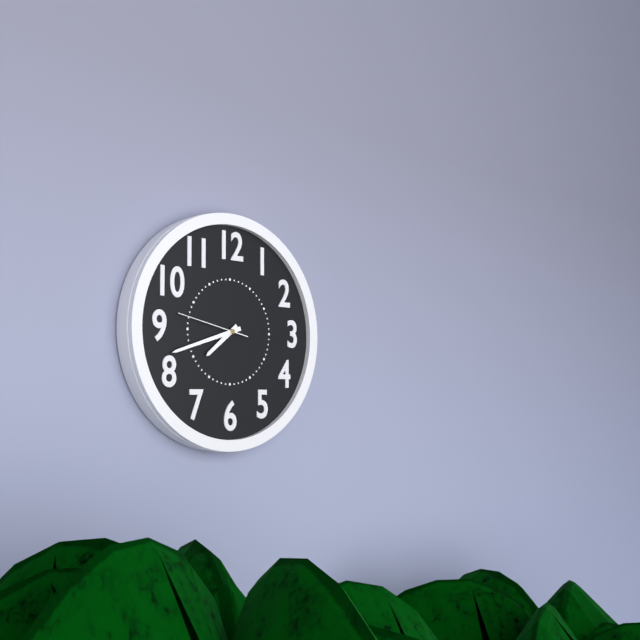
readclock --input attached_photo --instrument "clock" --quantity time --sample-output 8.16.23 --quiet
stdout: 7.42.47
